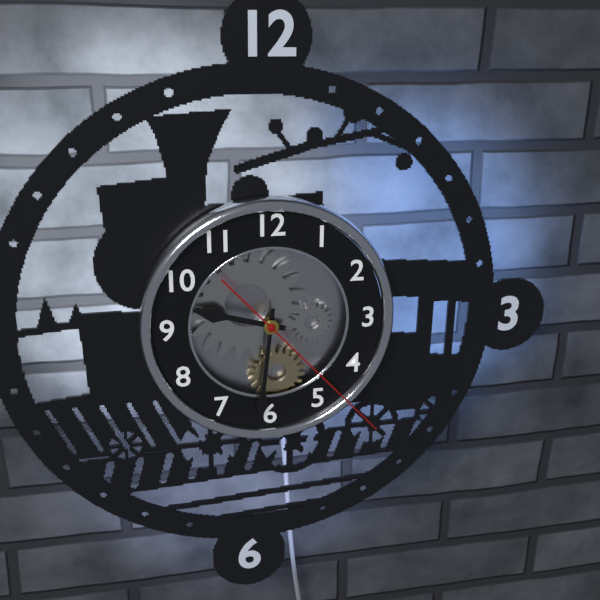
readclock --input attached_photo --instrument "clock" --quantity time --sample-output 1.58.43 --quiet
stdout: 9.31.23
